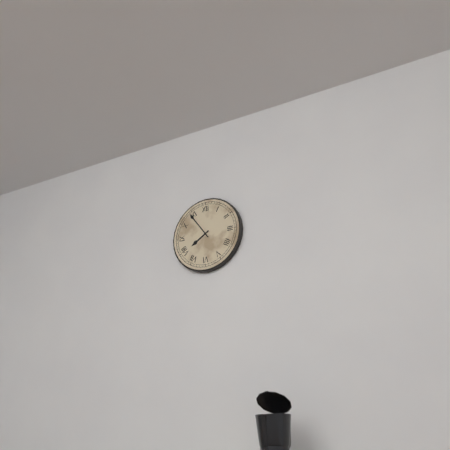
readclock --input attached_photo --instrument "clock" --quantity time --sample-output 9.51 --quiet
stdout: 7.54
